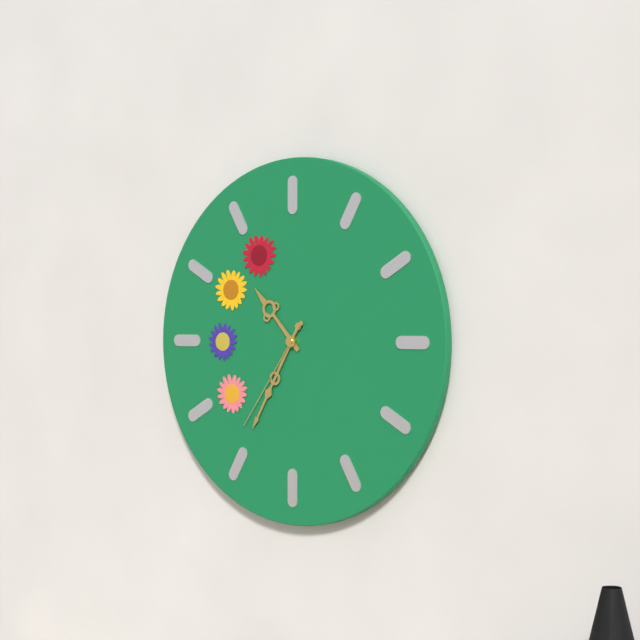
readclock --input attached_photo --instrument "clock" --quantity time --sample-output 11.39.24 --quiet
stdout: 10.35.36
